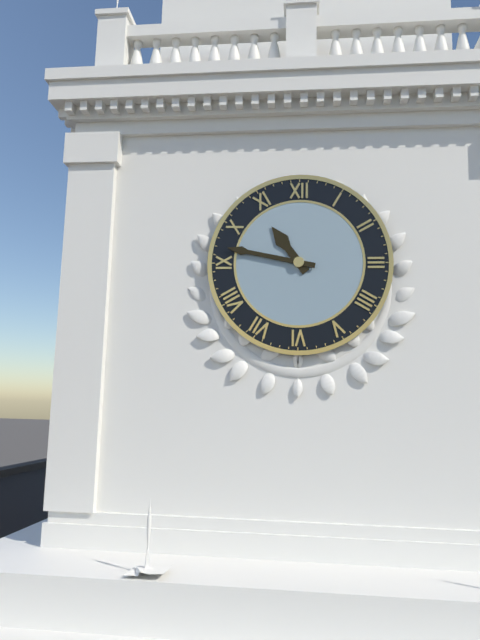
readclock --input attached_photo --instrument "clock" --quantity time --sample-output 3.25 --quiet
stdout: 10.47
